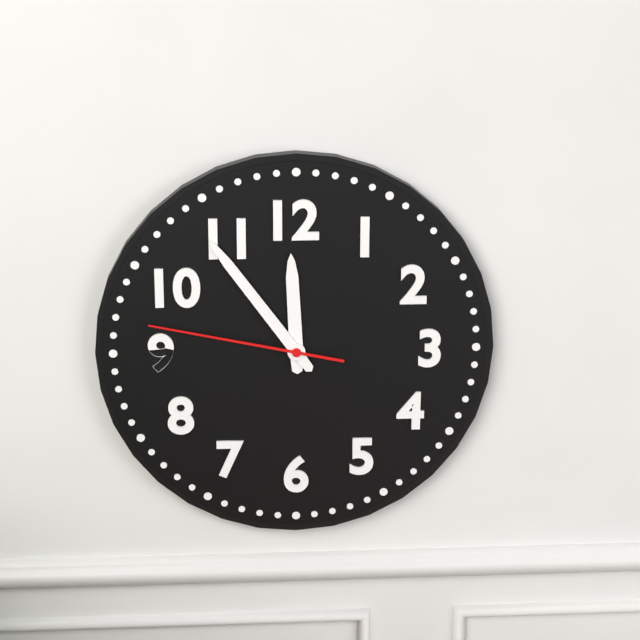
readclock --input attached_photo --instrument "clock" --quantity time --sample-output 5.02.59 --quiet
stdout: 11.54.47
